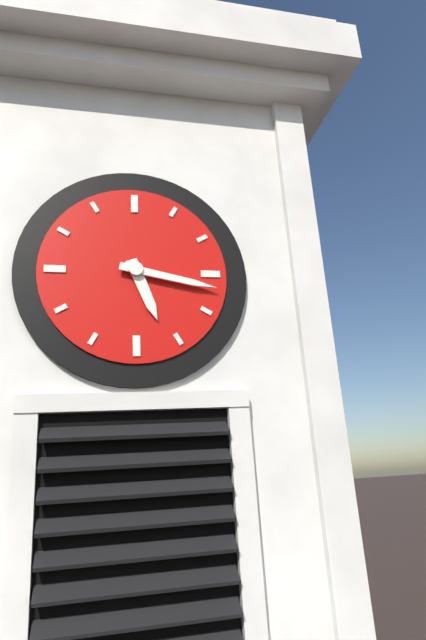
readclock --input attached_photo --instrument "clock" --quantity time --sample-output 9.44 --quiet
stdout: 5.17
